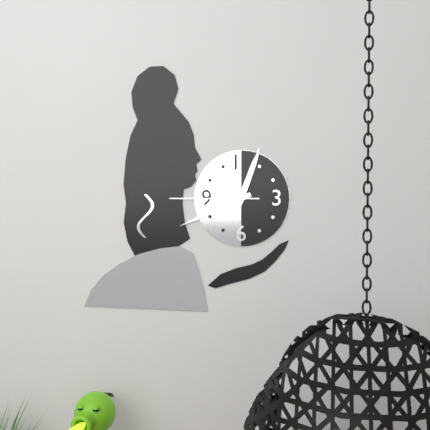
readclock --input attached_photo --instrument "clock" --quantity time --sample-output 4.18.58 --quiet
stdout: 12.41.45
